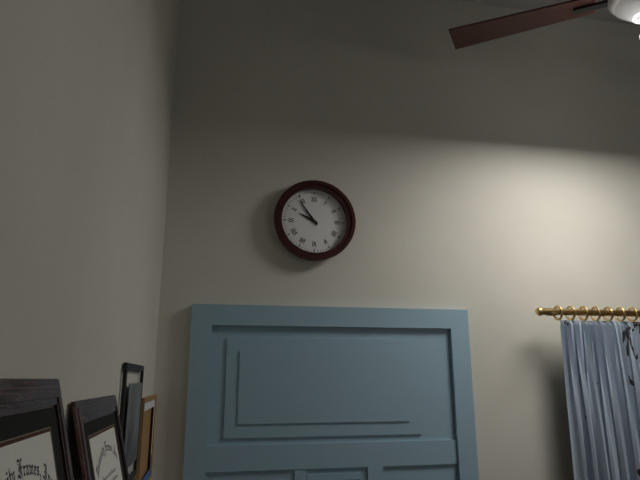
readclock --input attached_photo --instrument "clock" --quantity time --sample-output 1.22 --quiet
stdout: 9.54
